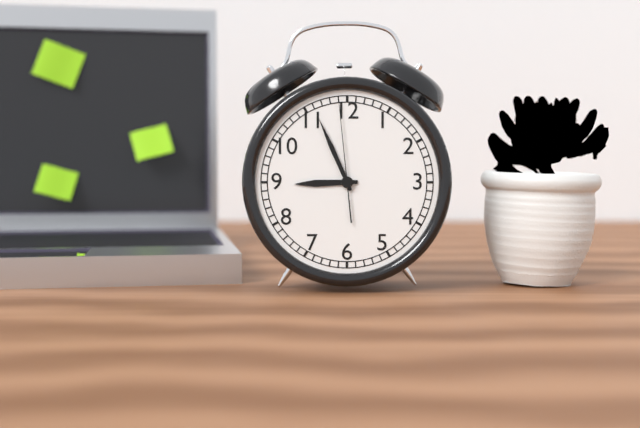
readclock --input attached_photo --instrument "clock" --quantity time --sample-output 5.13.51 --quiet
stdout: 8.56.59
